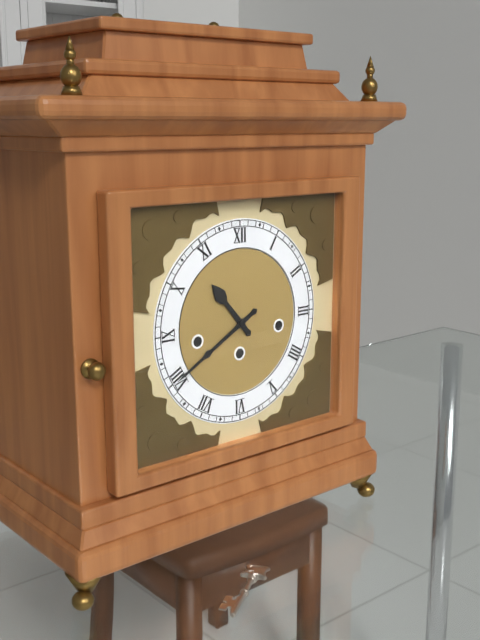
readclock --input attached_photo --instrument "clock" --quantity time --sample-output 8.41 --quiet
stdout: 10.40
